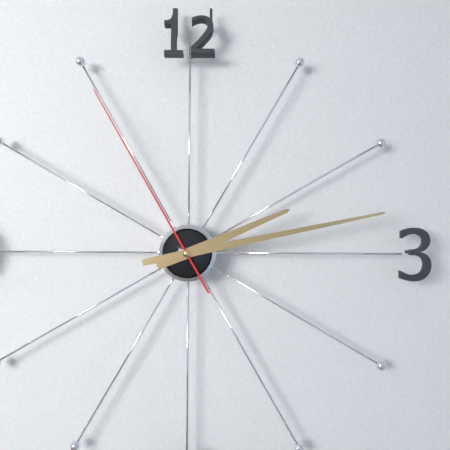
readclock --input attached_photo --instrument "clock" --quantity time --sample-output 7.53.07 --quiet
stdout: 2.13.55
